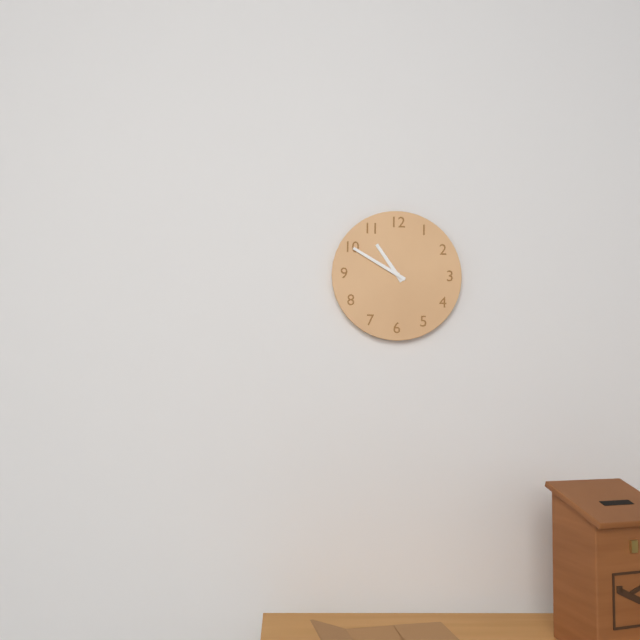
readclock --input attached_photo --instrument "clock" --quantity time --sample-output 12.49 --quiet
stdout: 10.50
